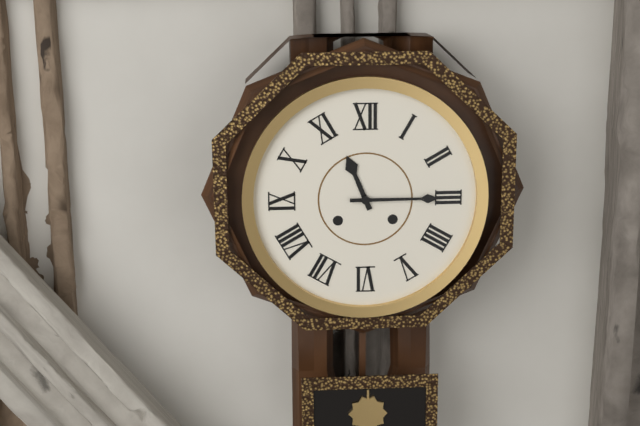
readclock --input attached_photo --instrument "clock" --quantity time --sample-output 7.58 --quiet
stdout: 11.15
